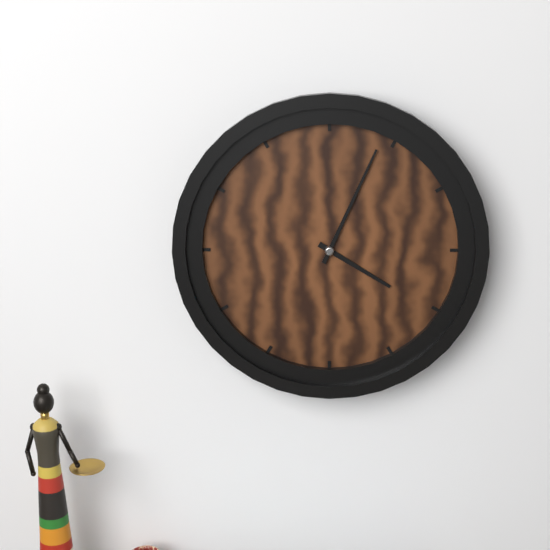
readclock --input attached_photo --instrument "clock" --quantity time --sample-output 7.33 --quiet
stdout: 4.04
